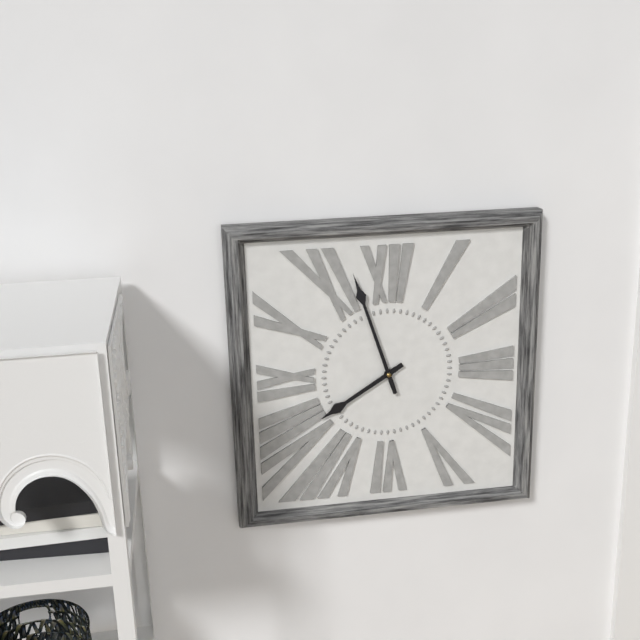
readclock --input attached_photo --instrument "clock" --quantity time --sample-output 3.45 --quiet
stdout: 7.57
